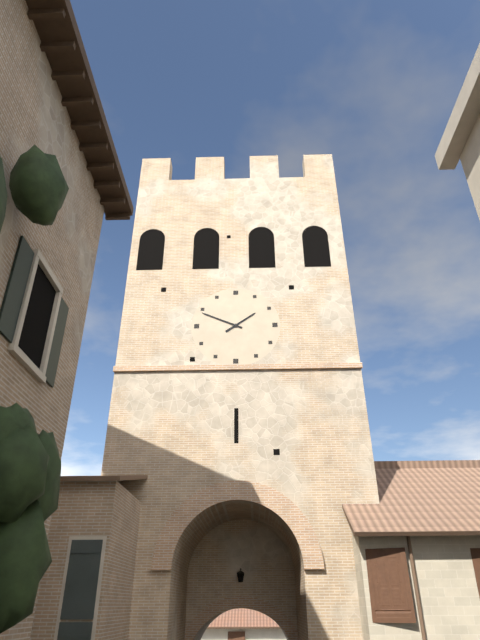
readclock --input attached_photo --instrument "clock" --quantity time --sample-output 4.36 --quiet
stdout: 1.49
